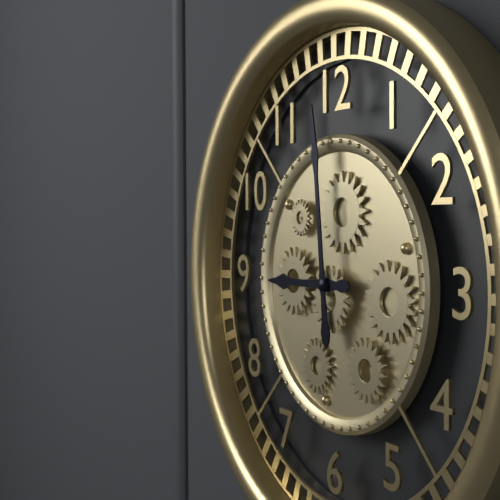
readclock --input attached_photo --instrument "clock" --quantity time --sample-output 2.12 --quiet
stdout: 8.59
